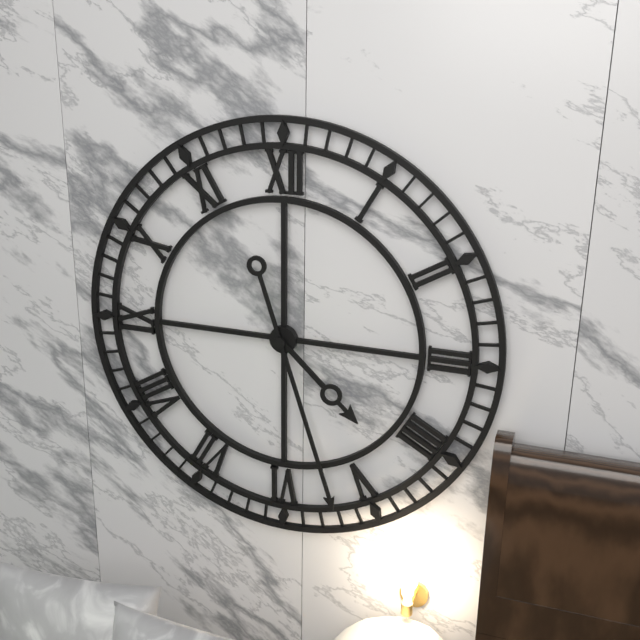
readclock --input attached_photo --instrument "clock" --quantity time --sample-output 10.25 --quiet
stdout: 4.27
